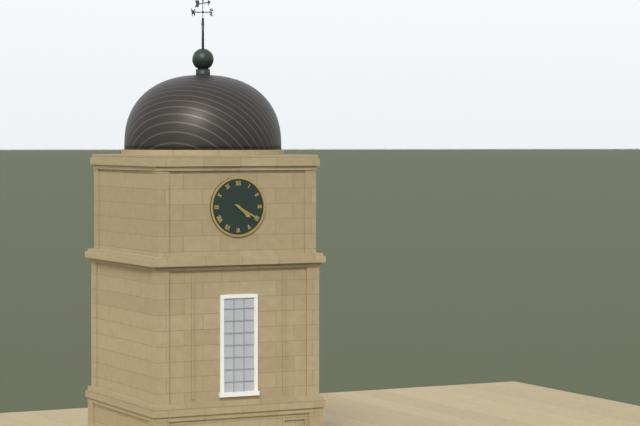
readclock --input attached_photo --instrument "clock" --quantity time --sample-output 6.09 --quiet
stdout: 4.20
